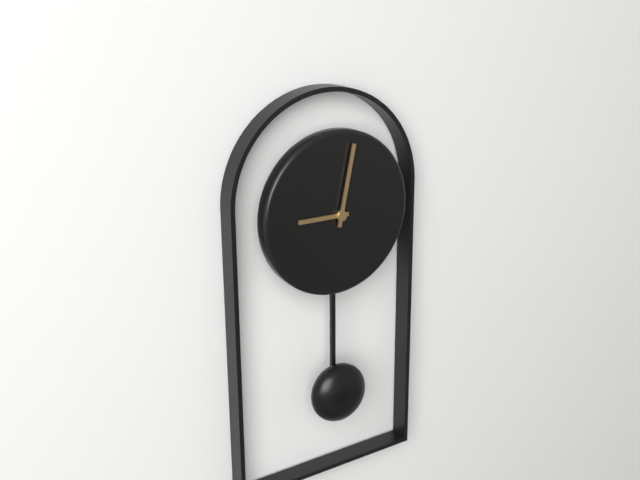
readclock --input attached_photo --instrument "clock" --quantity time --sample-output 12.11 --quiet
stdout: 9.02
